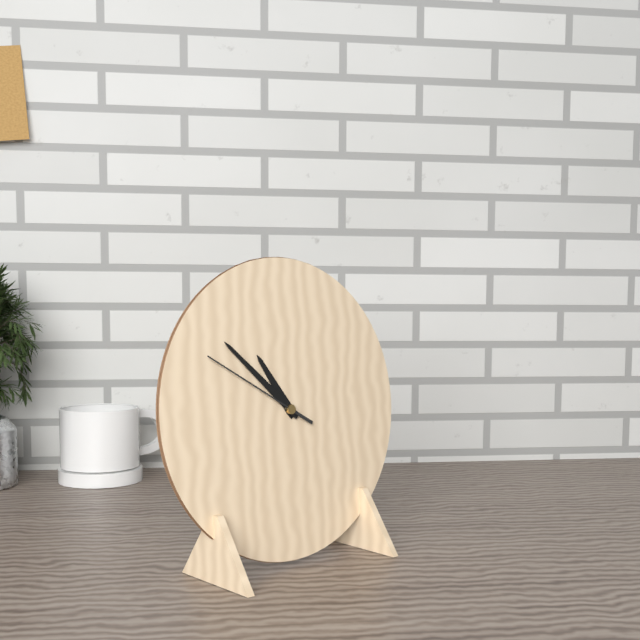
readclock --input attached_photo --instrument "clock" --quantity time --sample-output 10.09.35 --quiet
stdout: 10.52.50
